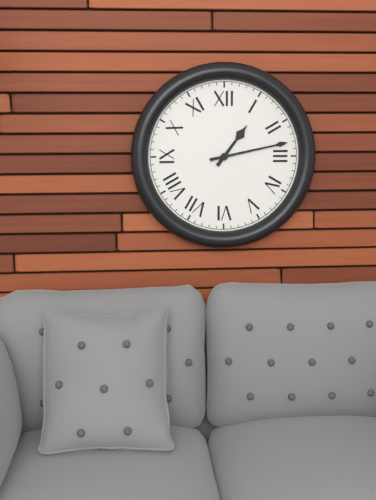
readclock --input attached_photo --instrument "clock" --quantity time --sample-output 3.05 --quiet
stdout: 1.13
